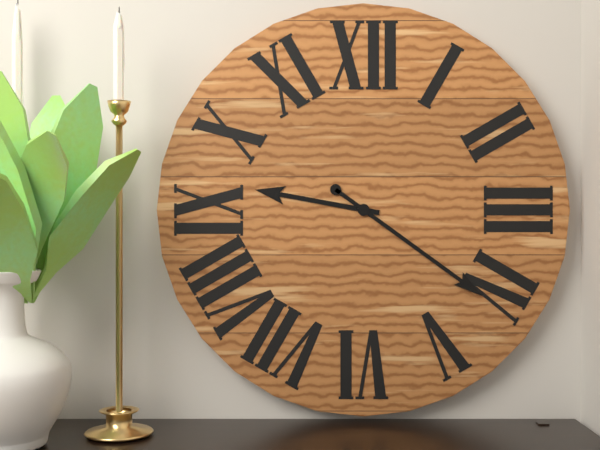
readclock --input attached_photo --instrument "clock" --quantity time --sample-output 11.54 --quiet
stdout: 9.21
